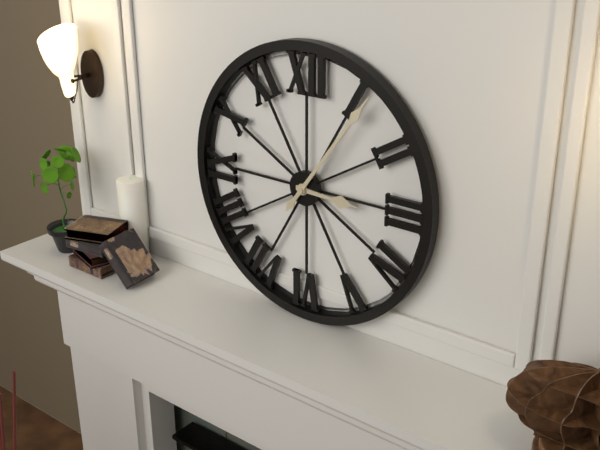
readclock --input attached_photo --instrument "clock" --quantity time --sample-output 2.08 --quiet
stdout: 3.06
